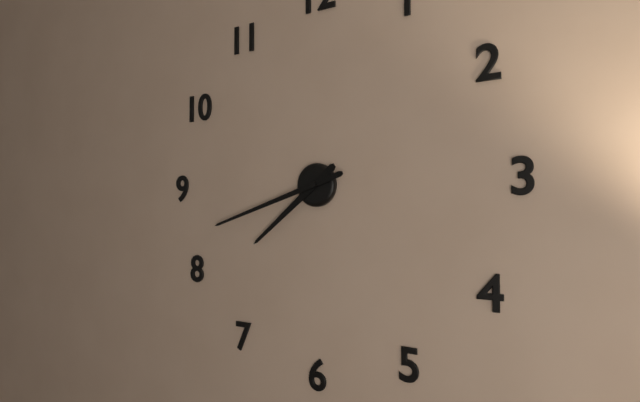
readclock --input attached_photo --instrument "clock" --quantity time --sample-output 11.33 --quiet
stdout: 7.42
